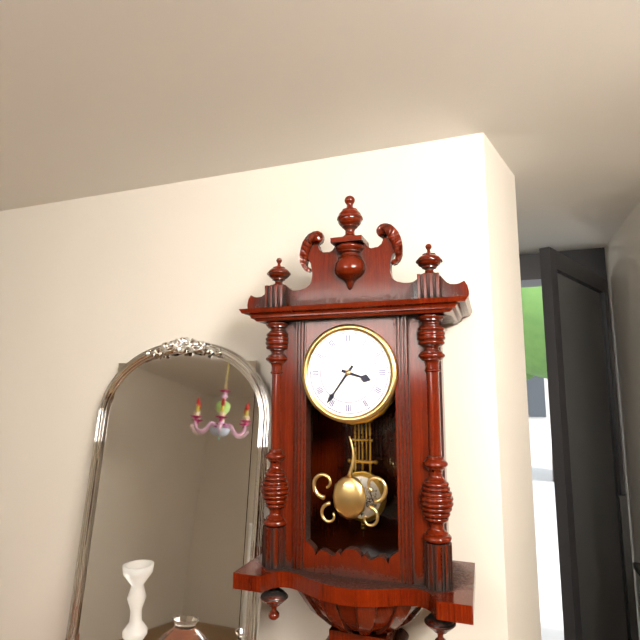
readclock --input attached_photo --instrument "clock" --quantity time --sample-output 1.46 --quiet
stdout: 3.36
